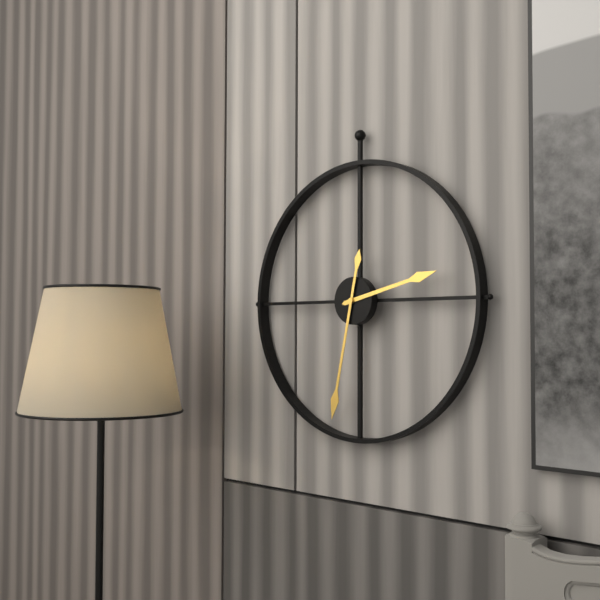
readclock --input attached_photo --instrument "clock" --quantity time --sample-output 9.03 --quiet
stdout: 2.32
